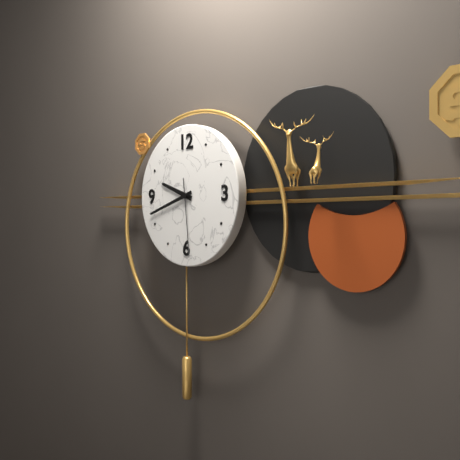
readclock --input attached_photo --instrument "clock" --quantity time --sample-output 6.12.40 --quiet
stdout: 9.42.29
